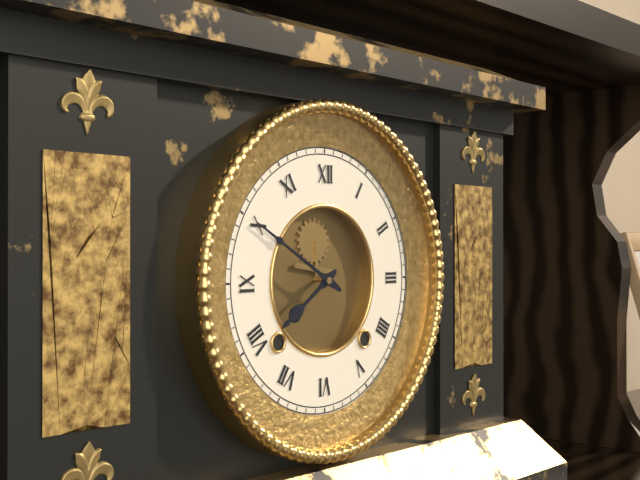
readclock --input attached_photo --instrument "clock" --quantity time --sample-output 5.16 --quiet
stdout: 7.50
